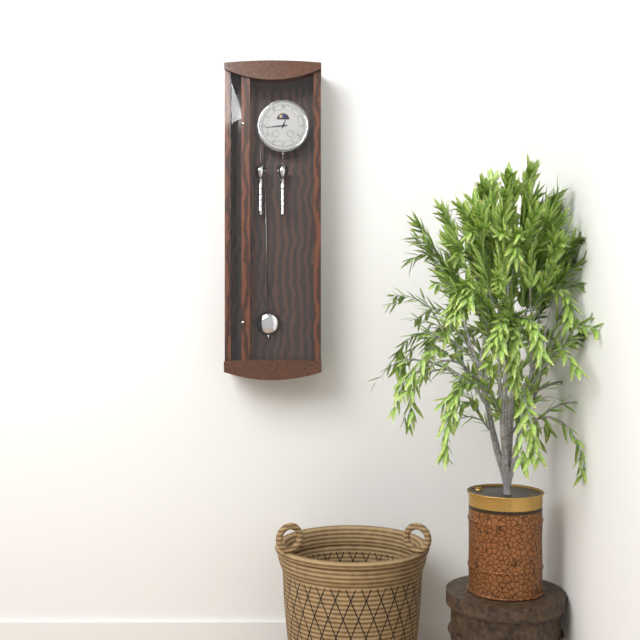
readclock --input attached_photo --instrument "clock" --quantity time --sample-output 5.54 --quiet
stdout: 12.44
